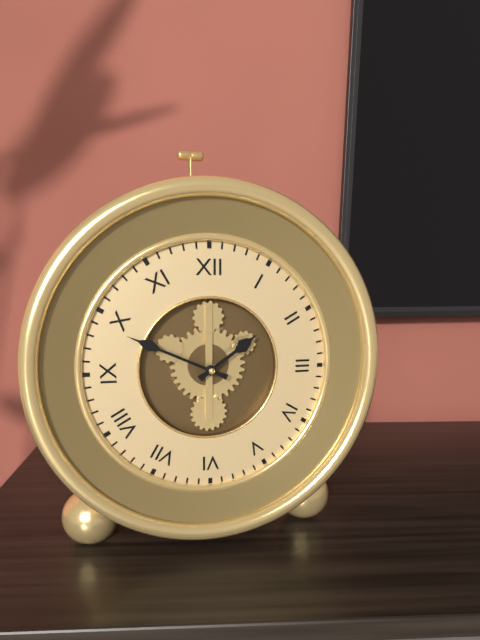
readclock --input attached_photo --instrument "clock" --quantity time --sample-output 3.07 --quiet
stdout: 1.49
